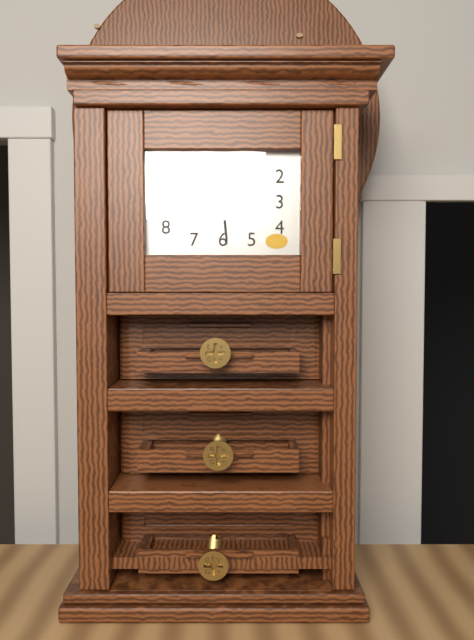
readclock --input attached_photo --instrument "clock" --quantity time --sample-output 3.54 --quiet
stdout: 1.29
